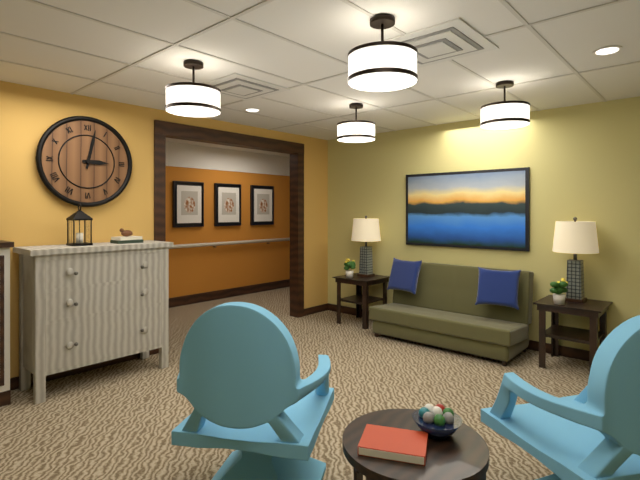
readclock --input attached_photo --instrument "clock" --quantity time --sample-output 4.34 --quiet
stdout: 3.02
